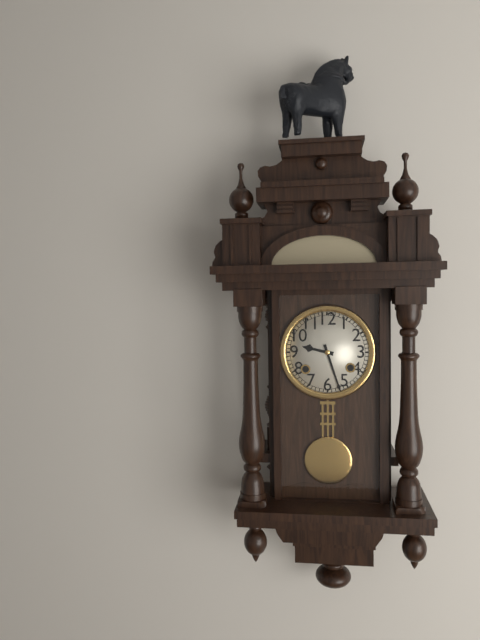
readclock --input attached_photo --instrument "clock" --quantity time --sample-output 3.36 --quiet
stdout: 9.27
